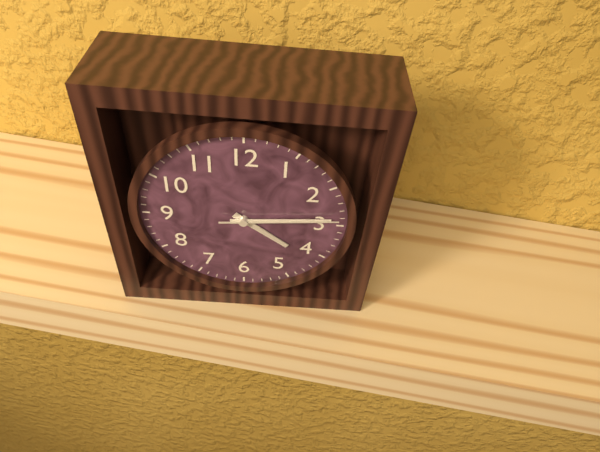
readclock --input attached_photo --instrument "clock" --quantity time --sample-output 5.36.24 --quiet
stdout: 4.14.14
